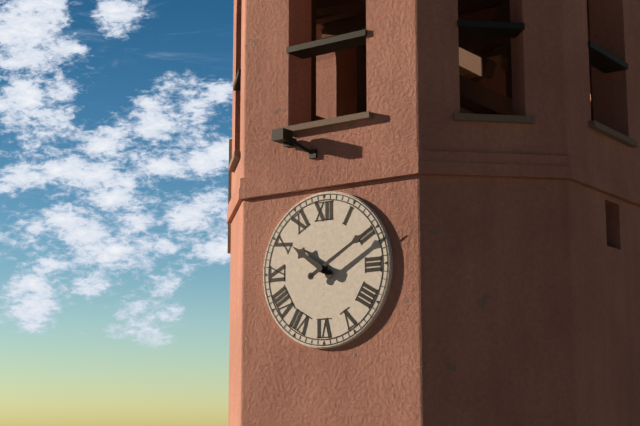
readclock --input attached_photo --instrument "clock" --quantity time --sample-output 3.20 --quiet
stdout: 10.10
